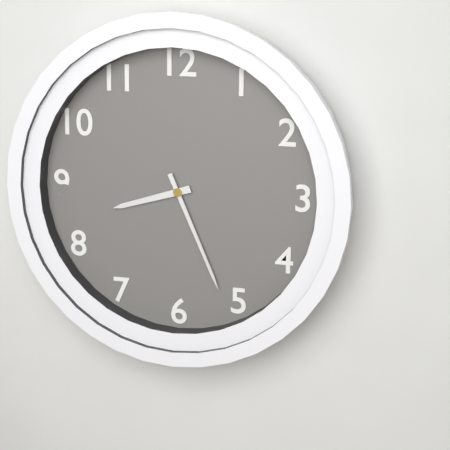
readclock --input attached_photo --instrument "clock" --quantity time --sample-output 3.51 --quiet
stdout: 8.26
